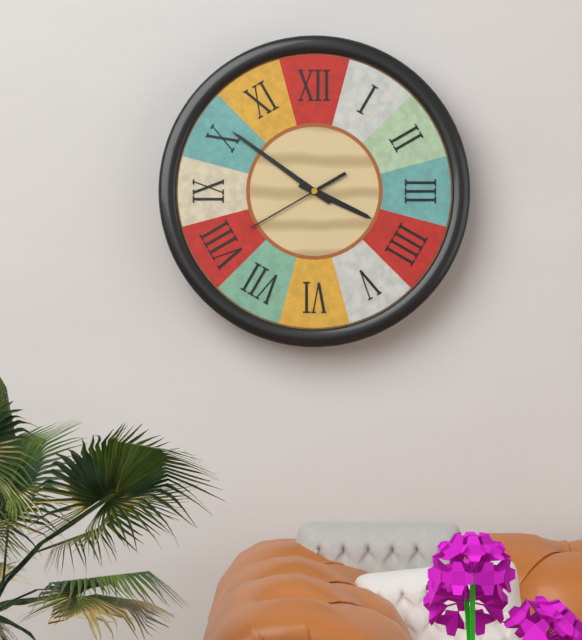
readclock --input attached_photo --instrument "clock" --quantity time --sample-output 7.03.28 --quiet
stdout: 3.51.40
